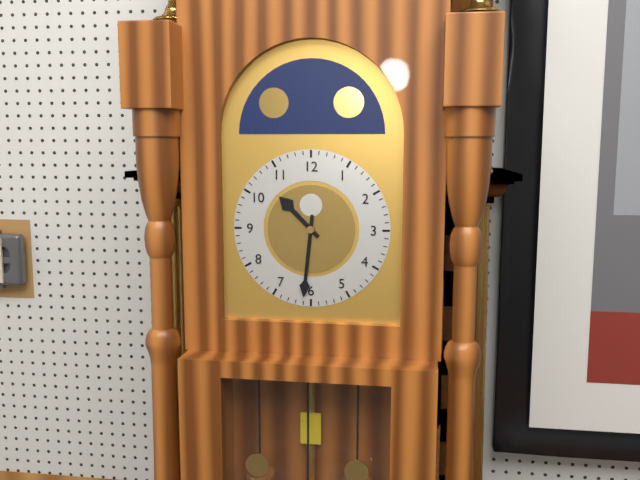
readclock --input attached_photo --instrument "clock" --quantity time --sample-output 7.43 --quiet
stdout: 10.31
